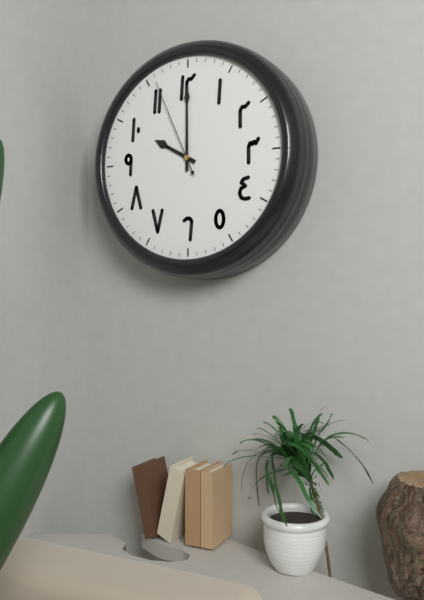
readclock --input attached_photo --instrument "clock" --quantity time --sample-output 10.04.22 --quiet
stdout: 10.00.56
